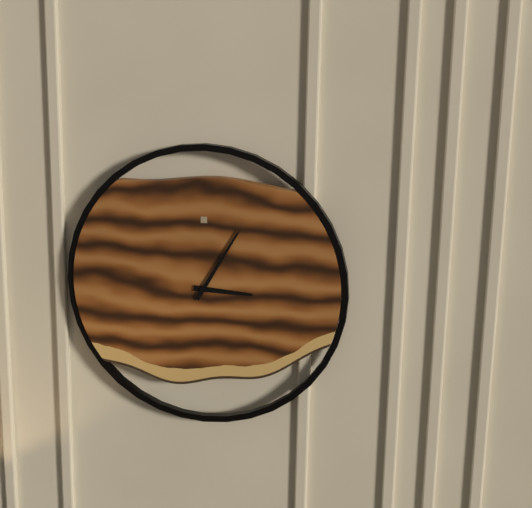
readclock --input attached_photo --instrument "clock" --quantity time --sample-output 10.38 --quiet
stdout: 3.05
